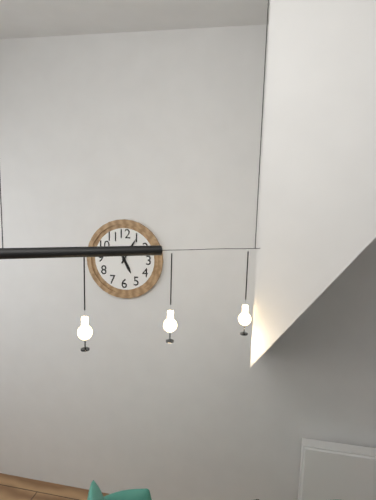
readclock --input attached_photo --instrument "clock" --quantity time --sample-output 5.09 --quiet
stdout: 5.05
